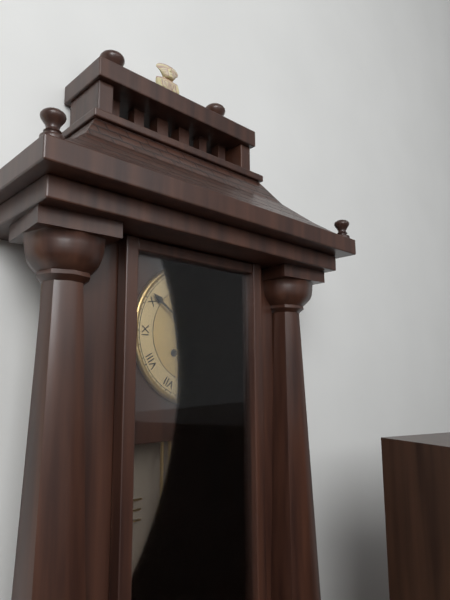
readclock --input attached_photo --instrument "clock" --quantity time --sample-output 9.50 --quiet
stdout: 5.51
